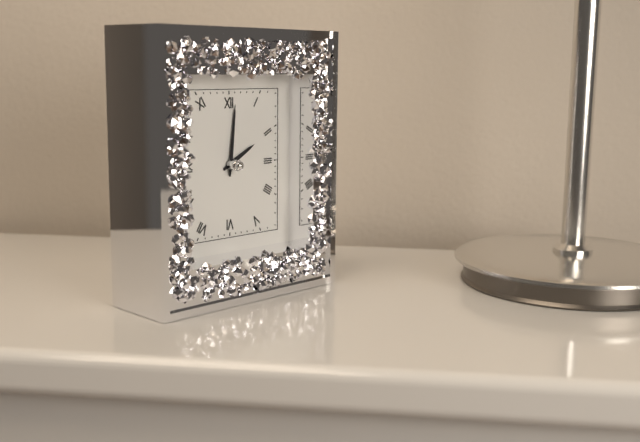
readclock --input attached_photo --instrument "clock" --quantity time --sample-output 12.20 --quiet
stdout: 2.01
